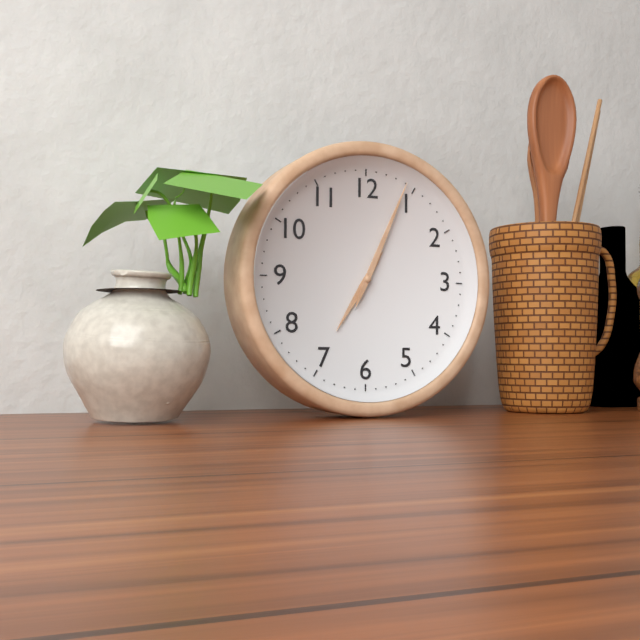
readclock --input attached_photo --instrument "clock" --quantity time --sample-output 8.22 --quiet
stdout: 7.04
